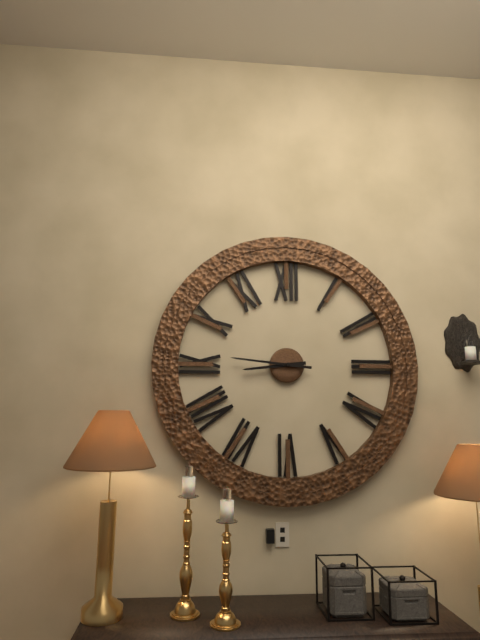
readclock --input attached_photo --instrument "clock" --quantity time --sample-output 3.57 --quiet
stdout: 8.46
